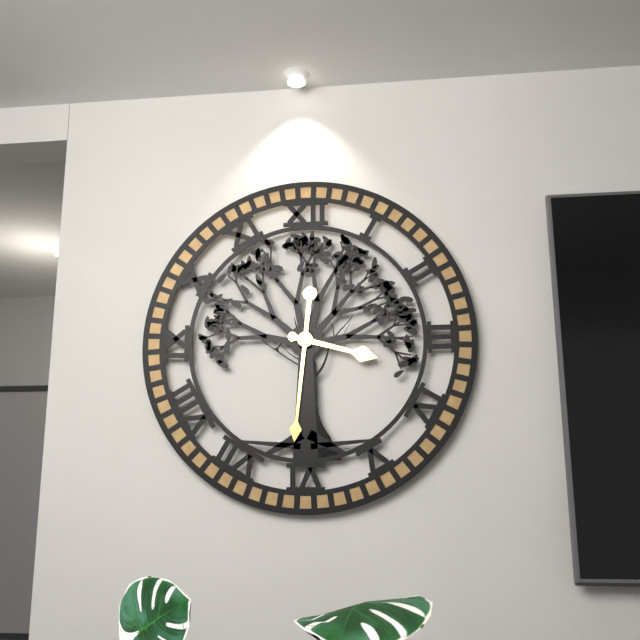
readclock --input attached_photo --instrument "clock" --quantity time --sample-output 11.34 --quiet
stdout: 3.31
